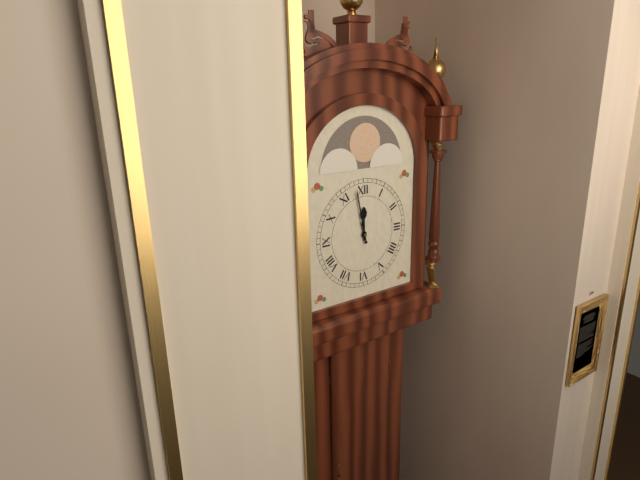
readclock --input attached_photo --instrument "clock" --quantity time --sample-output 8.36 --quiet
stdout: 11.58
